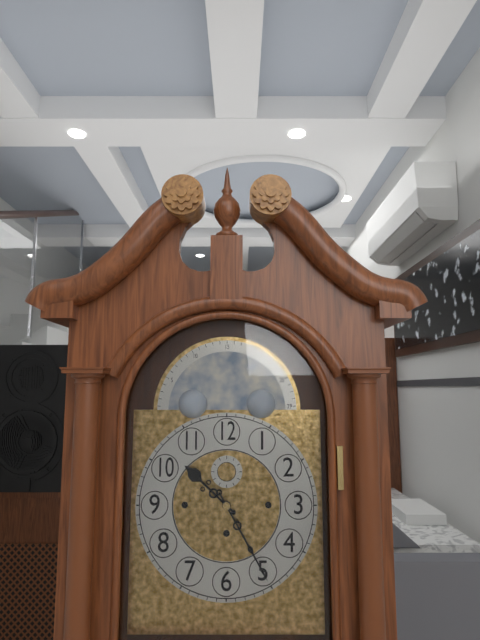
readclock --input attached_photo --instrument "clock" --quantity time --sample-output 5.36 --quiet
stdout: 10.25
